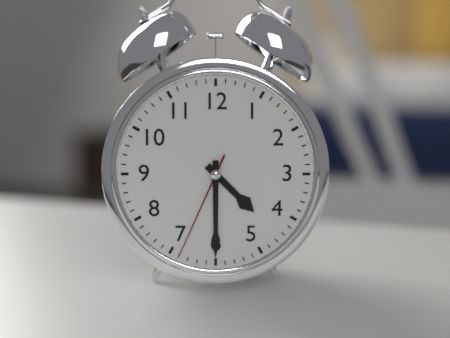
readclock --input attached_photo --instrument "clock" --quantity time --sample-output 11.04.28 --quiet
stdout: 4.30.34
